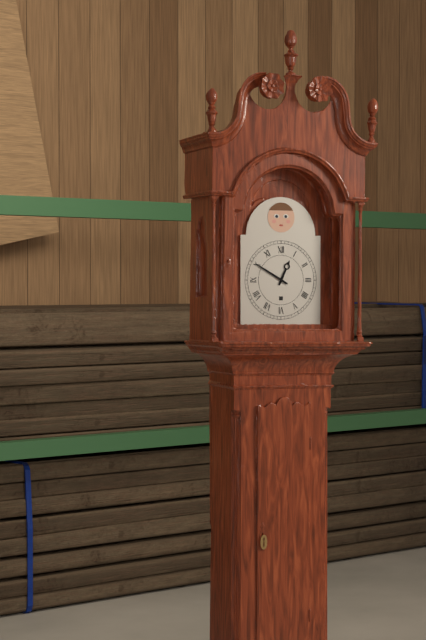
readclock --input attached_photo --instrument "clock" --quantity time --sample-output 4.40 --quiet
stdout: 12.50
